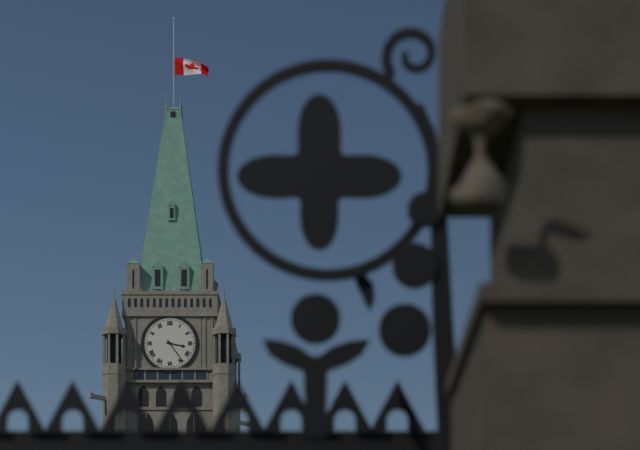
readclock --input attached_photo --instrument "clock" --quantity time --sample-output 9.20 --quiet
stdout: 3.24
